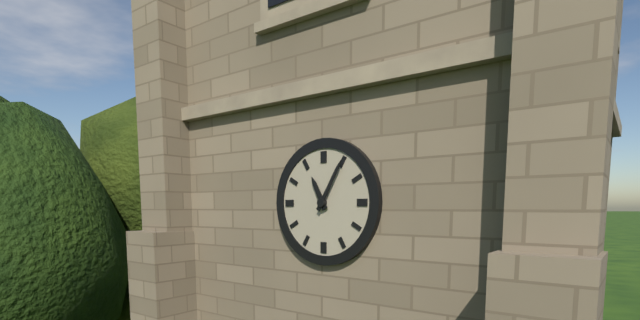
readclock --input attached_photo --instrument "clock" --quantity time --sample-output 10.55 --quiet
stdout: 11.05
